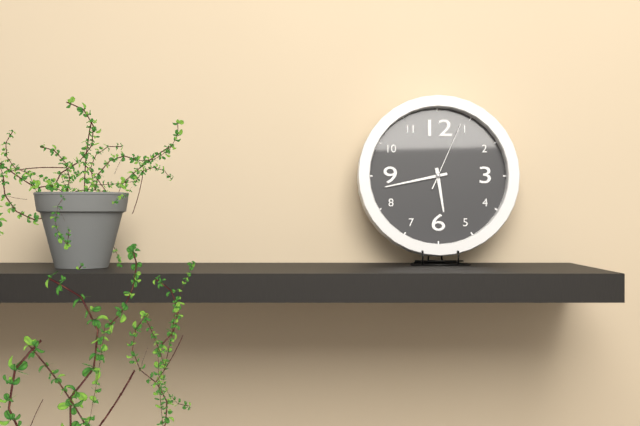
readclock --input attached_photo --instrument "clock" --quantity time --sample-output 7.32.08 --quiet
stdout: 5.43.04
